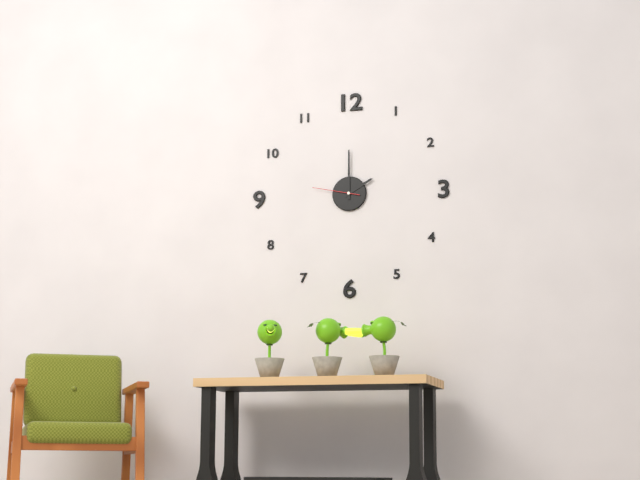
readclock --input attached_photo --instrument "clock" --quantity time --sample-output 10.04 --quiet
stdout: 2.00
